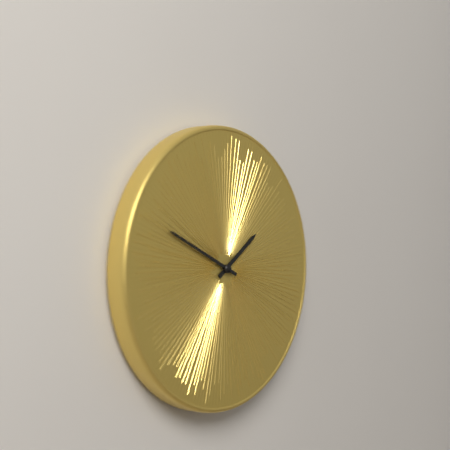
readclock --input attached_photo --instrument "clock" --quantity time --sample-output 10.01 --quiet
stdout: 1.49
